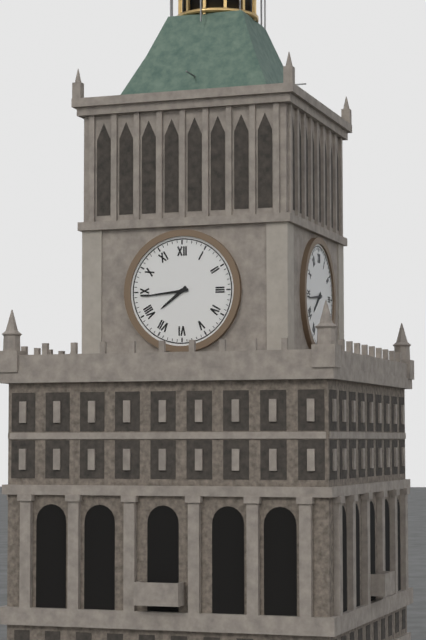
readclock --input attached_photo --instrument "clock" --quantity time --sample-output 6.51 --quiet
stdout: 7.44
